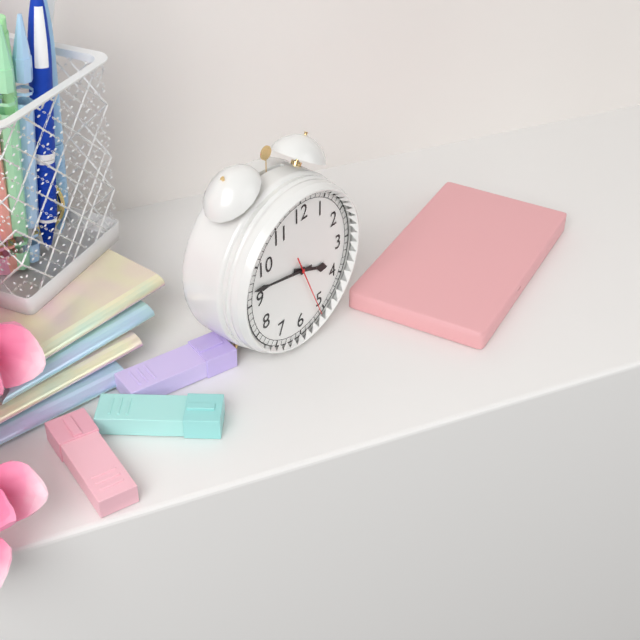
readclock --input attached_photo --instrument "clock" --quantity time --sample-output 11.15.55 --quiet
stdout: 3.47.26
